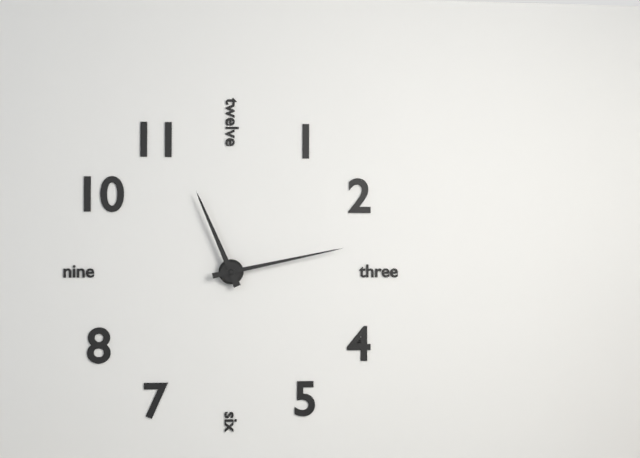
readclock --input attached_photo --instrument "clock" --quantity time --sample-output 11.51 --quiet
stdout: 11.13
